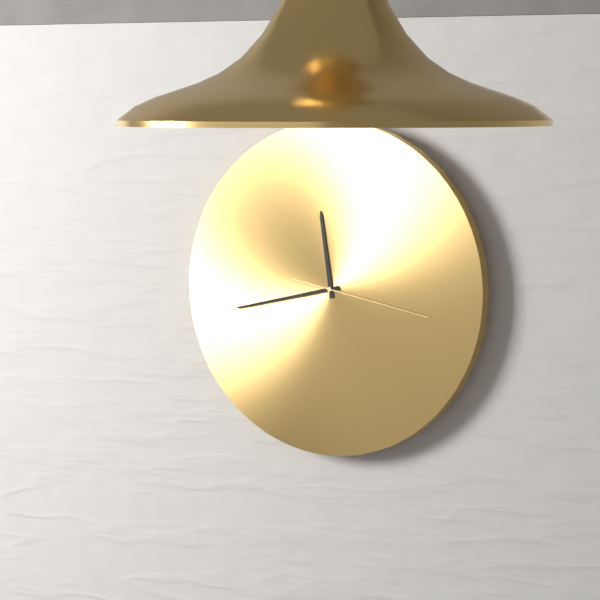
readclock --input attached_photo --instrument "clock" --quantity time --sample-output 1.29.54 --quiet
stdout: 11.43.17
